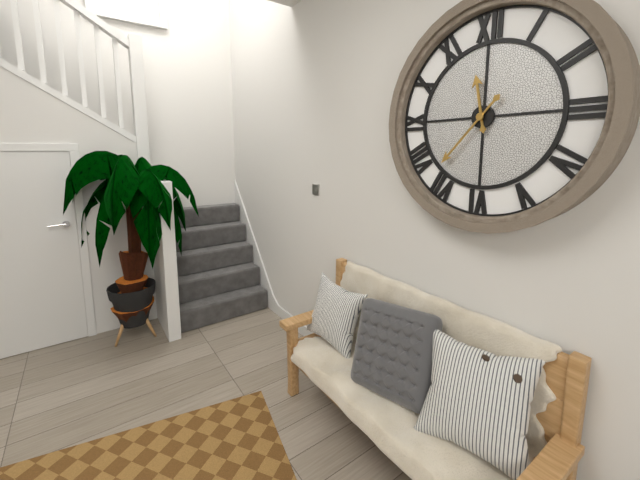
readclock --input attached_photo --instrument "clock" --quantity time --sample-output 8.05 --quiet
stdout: 11.37
